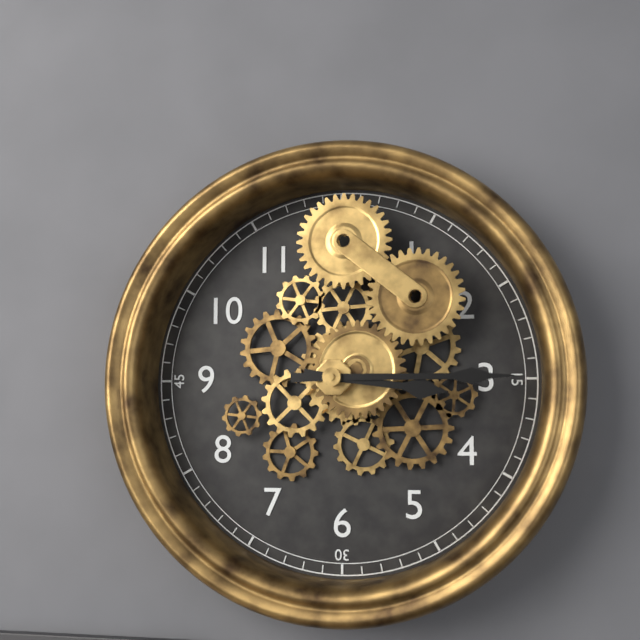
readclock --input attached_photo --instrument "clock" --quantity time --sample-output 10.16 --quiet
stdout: 3.15
